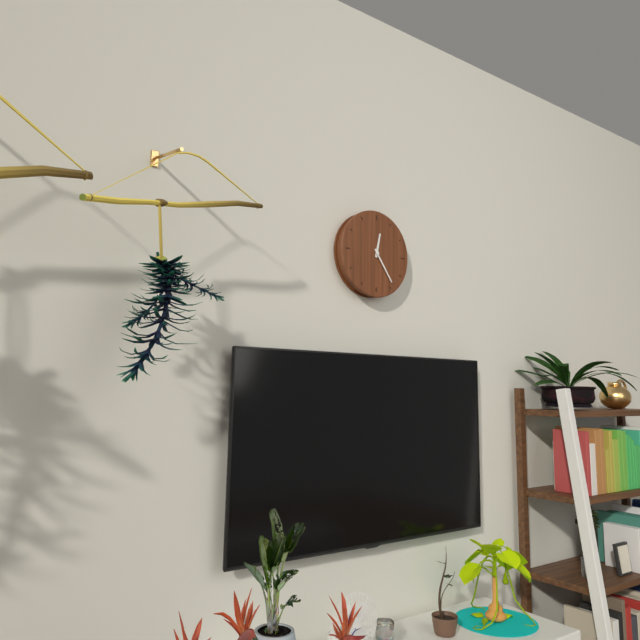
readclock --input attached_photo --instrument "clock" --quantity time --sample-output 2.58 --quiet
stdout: 12.24
